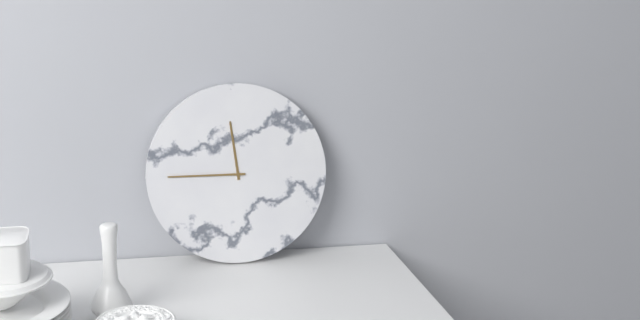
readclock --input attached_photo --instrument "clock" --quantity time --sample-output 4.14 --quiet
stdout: 11.45
